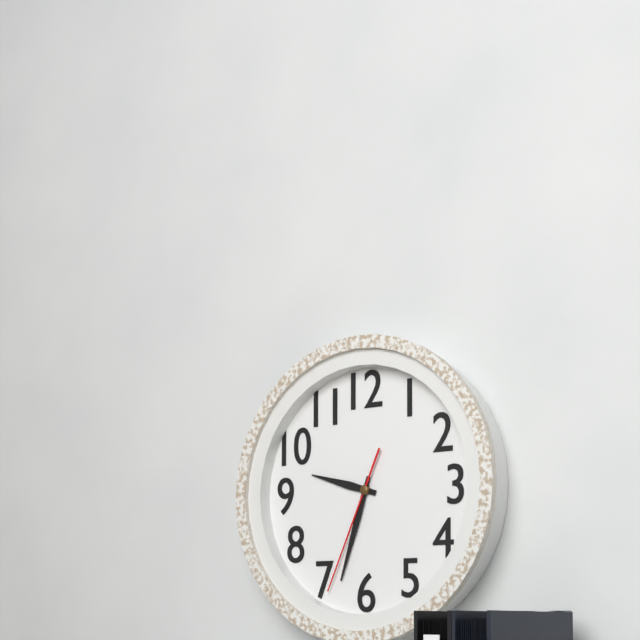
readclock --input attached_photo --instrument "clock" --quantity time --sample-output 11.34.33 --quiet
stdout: 9.33.34
